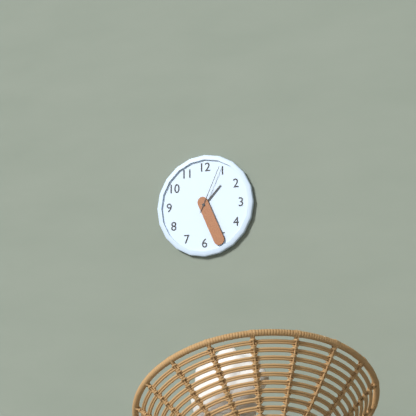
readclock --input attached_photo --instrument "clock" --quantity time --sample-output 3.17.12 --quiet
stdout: 1.26.04
